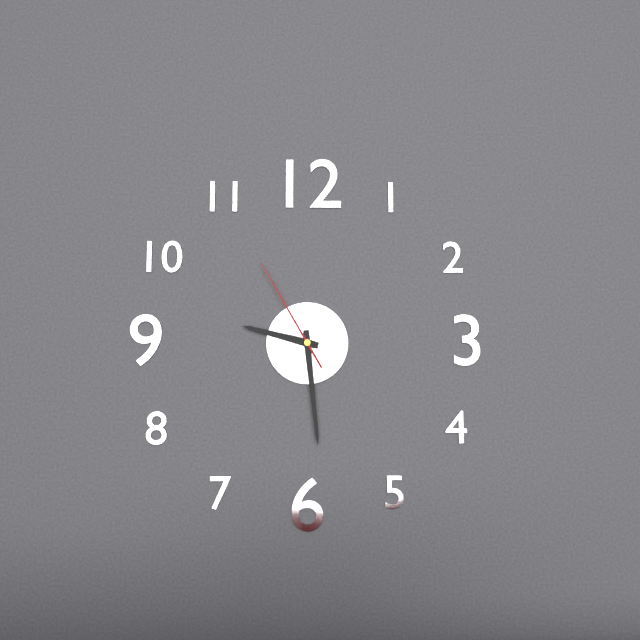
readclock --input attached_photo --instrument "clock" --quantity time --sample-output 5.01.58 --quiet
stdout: 9.29.55
